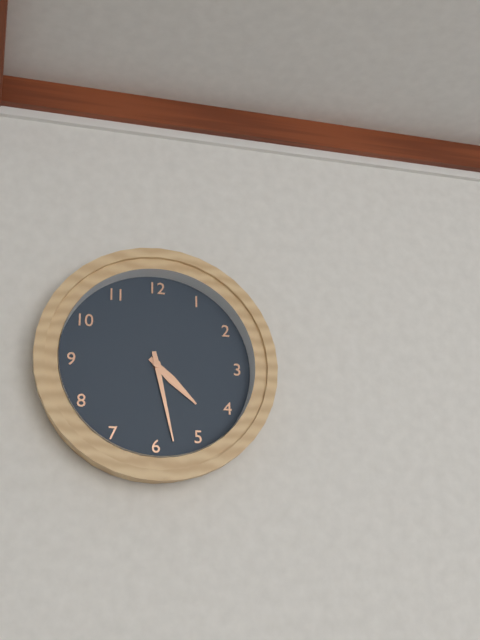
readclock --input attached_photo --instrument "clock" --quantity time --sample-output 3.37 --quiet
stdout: 4.28
